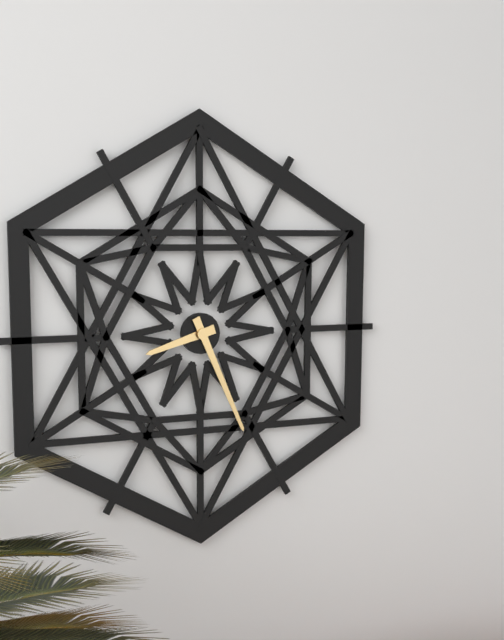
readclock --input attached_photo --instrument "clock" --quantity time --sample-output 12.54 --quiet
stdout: 8.26
